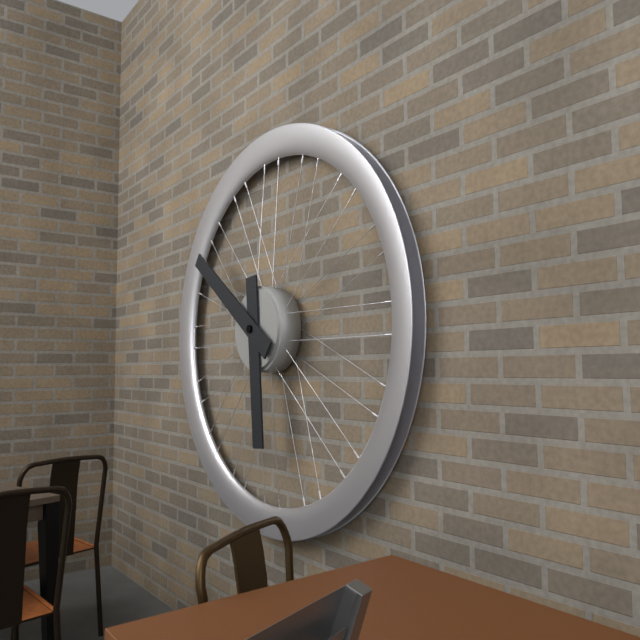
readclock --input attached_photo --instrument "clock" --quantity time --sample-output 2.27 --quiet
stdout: 5.51
